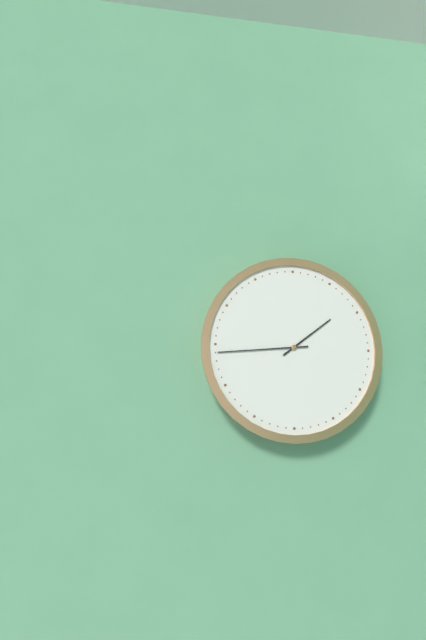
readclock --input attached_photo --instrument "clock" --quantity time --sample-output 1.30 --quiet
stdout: 1.44
